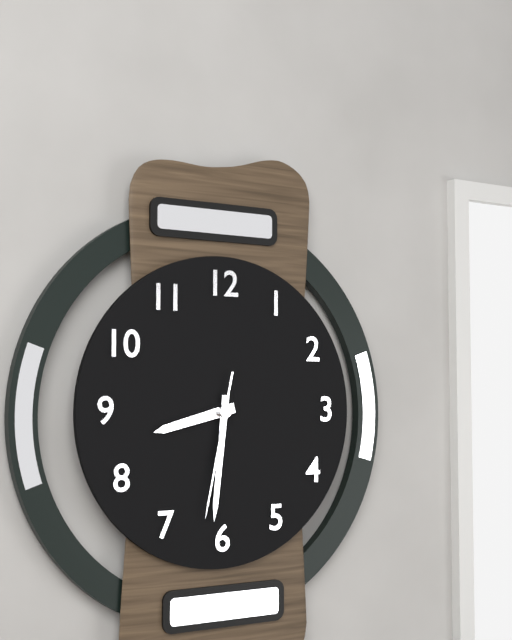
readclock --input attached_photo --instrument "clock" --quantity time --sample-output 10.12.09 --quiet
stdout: 8.31.32
